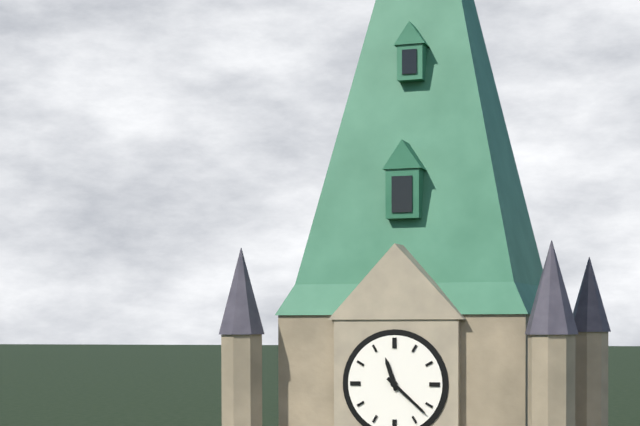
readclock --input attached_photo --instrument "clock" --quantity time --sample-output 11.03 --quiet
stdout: 11.22
